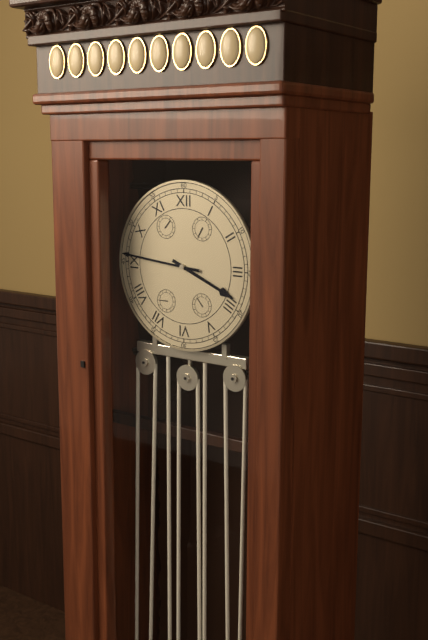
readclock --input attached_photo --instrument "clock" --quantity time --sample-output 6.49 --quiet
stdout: 3.46
